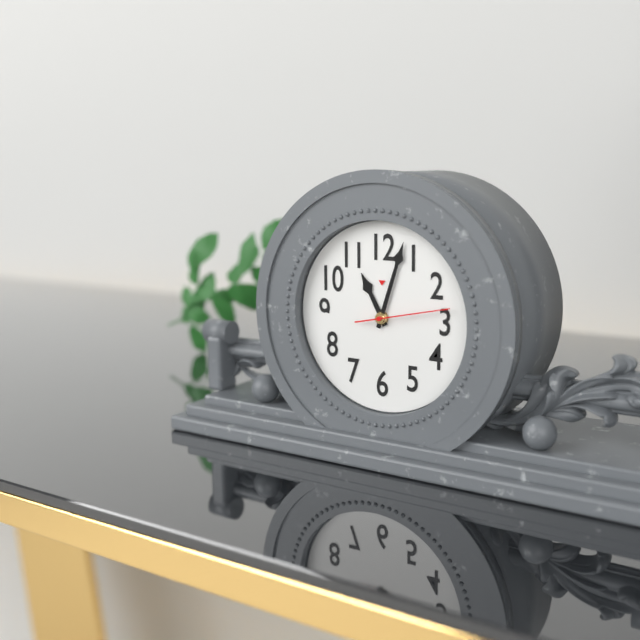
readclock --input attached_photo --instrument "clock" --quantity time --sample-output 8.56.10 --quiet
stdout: 11.03.13
